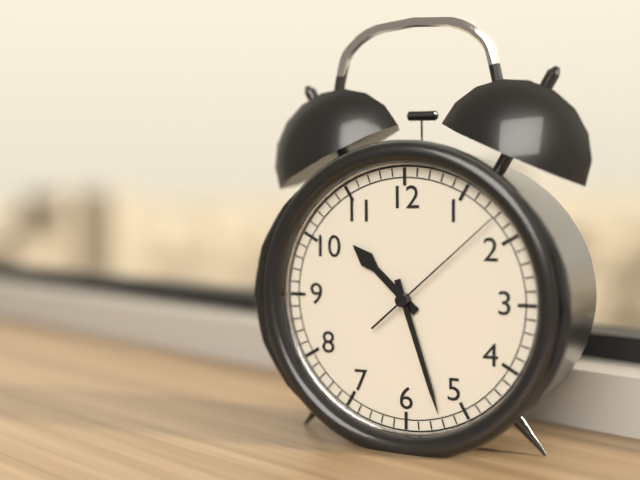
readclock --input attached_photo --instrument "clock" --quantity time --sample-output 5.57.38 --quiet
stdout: 10.27.08
